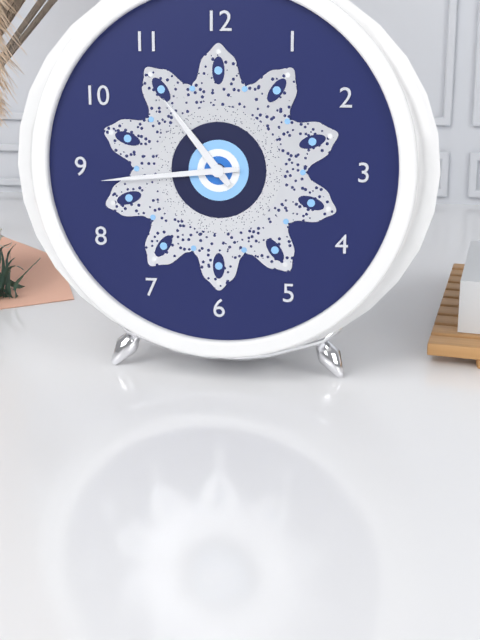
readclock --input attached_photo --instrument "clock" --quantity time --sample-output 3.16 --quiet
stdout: 10.44
